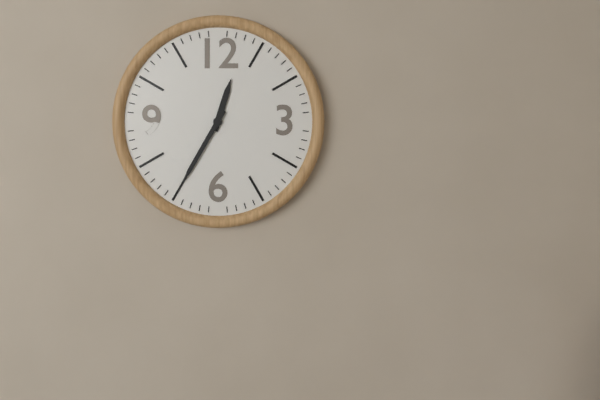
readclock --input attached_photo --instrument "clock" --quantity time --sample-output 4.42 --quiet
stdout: 12.35
